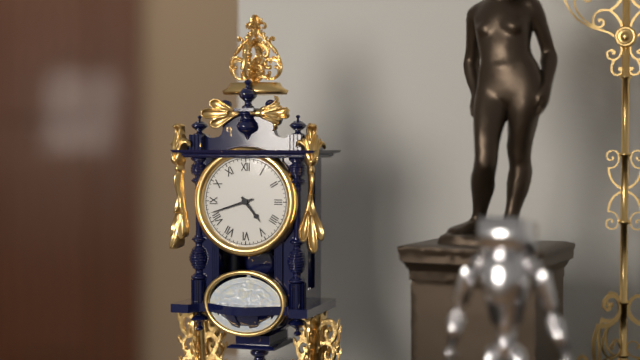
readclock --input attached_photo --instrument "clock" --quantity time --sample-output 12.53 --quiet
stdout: 4.42
